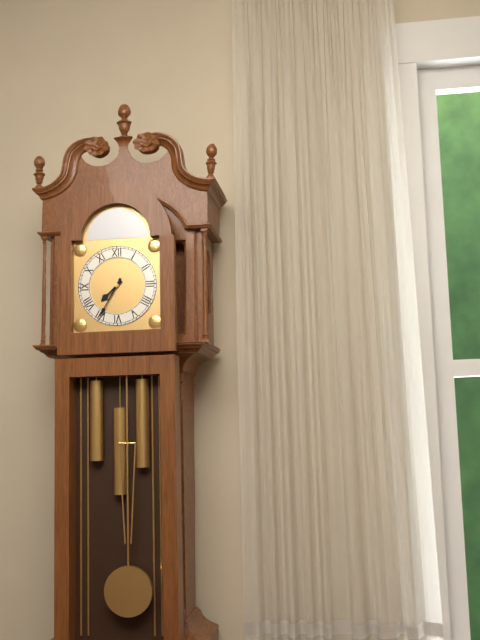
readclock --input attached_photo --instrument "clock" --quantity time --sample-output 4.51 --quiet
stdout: 7.35
